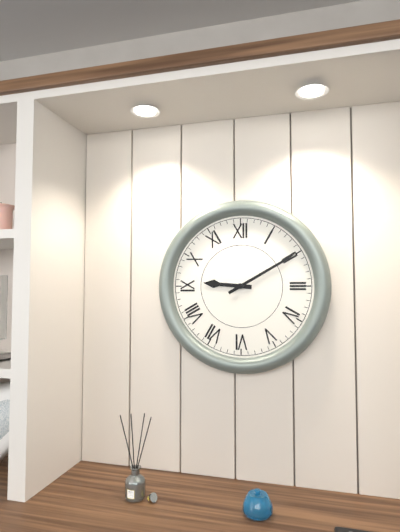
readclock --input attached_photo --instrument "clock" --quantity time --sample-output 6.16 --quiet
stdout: 9.10
